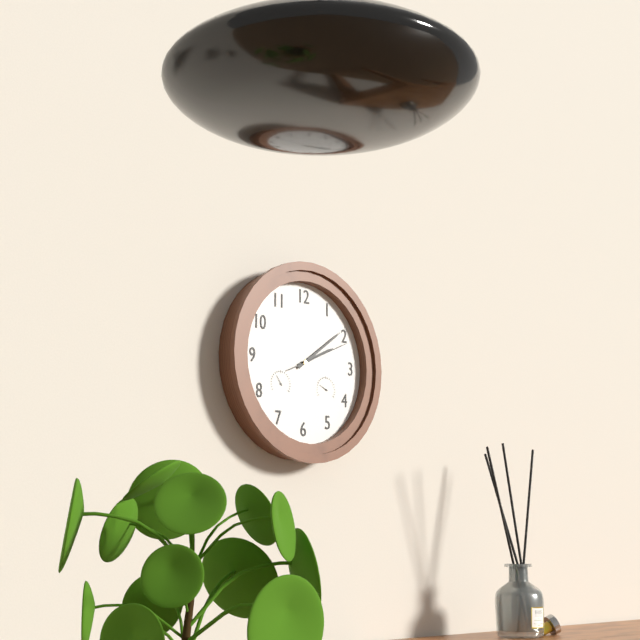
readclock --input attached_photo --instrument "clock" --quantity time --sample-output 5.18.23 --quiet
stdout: 2.09.11
